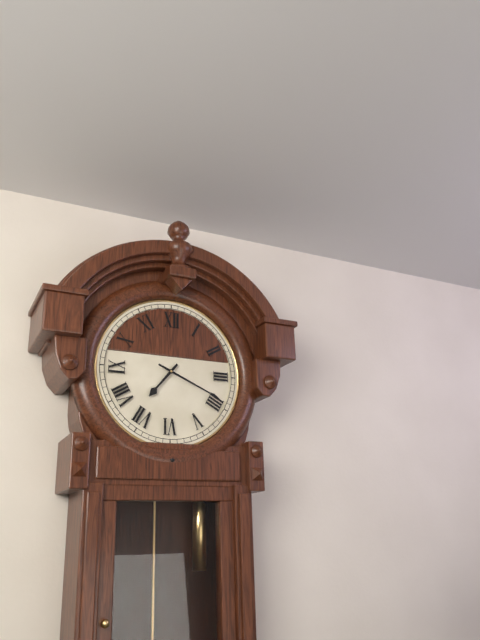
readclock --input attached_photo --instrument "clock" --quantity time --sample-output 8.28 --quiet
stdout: 7.19
